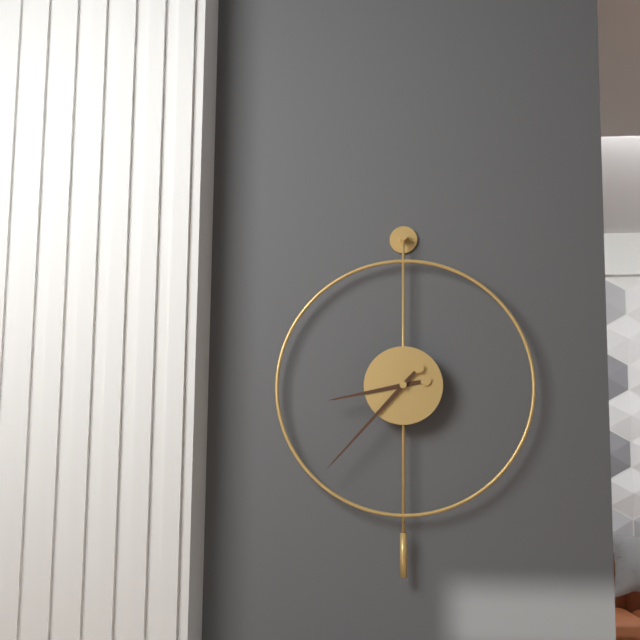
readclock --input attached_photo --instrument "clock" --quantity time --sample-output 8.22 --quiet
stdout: 8.37
